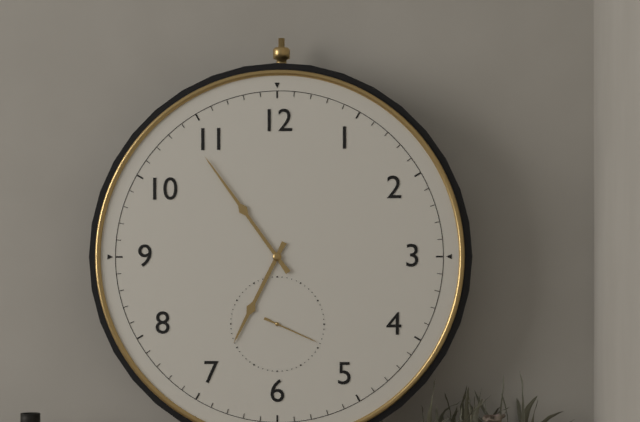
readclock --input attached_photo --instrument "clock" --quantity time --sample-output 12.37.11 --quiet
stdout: 6.54.19
